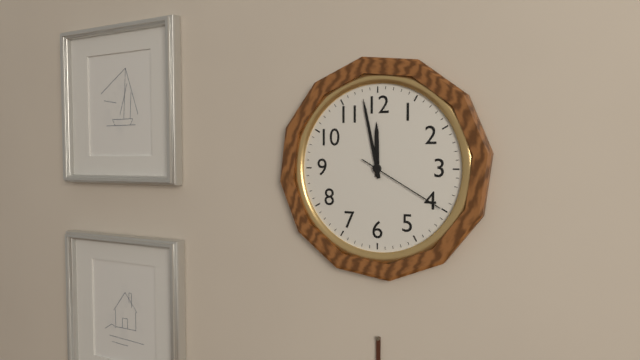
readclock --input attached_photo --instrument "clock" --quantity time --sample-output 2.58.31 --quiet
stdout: 11.58.20
